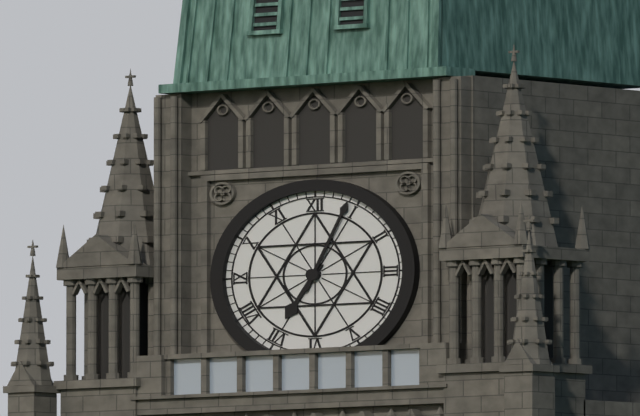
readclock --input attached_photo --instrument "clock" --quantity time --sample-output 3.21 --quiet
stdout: 7.04
